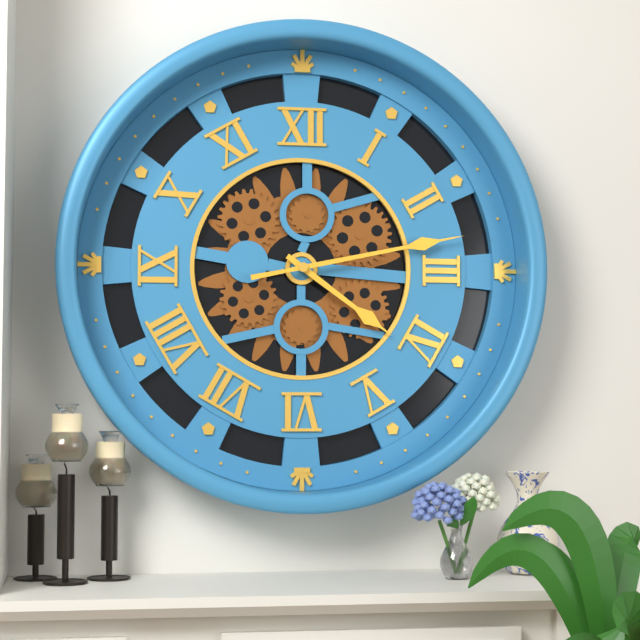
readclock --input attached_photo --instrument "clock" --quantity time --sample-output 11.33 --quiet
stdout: 4.13
